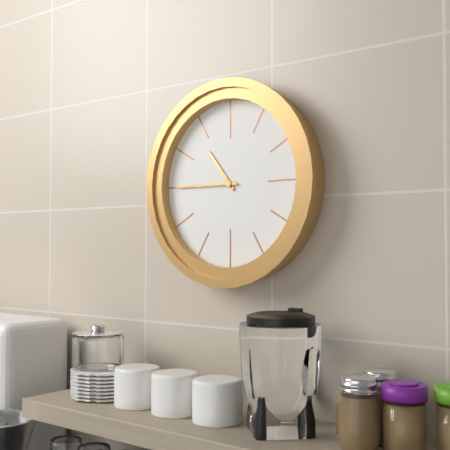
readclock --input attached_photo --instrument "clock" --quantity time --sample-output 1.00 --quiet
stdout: 10.45
